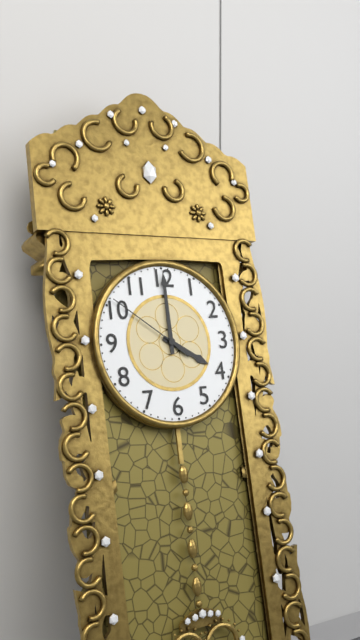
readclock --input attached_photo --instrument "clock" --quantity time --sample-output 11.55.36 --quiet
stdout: 4.00.51
